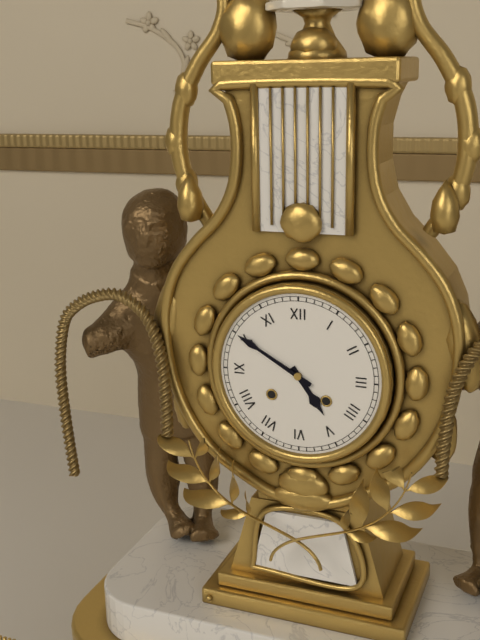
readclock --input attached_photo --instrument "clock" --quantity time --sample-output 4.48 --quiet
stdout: 4.50
